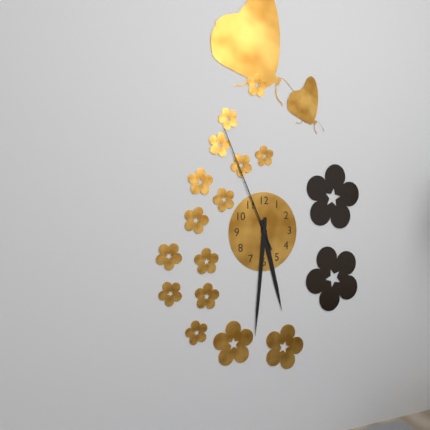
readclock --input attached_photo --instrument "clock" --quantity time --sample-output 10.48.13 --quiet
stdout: 5.31.56
